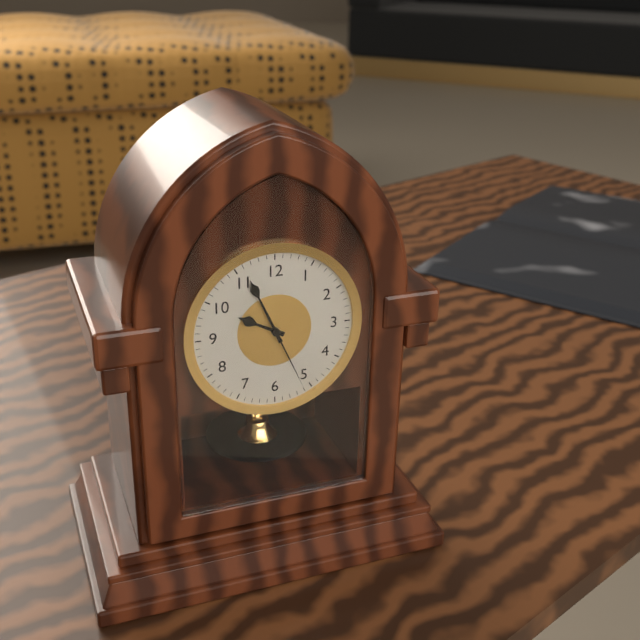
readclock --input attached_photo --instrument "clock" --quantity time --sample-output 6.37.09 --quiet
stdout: 9.56.26
